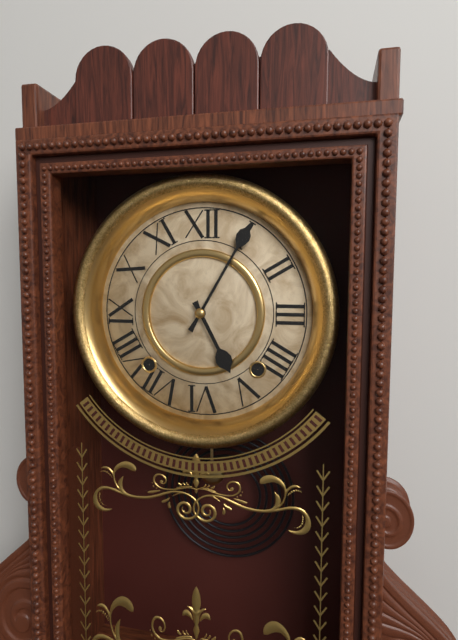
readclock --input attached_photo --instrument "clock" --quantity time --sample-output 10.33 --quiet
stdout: 5.05
